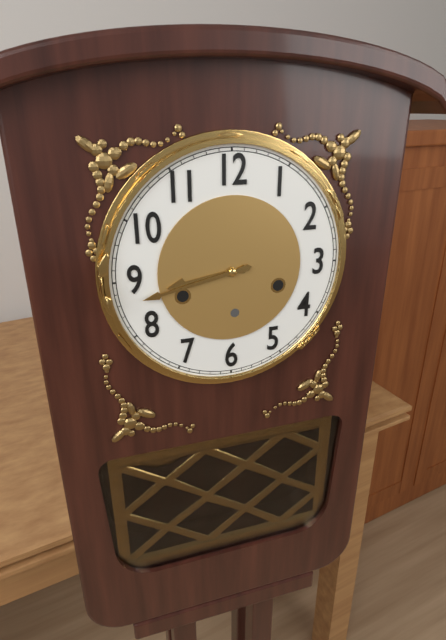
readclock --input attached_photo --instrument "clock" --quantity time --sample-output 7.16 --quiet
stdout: 8.43
